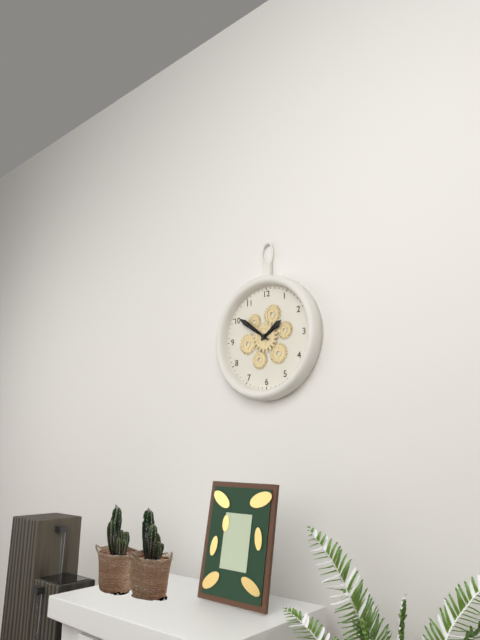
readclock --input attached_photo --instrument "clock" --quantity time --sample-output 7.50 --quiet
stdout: 1.51
